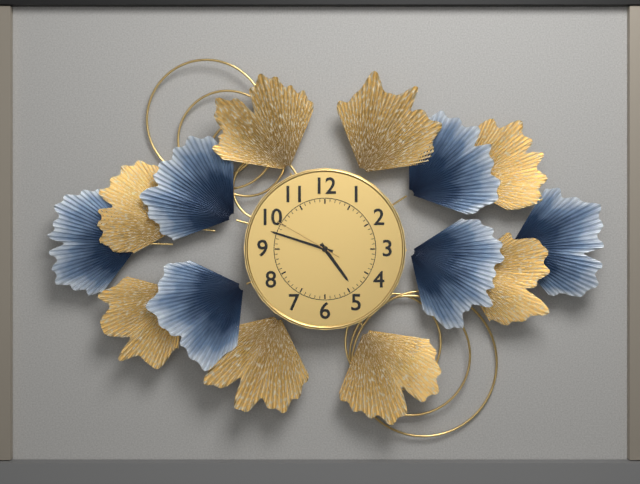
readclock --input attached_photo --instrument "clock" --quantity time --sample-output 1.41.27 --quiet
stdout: 4.48.50
